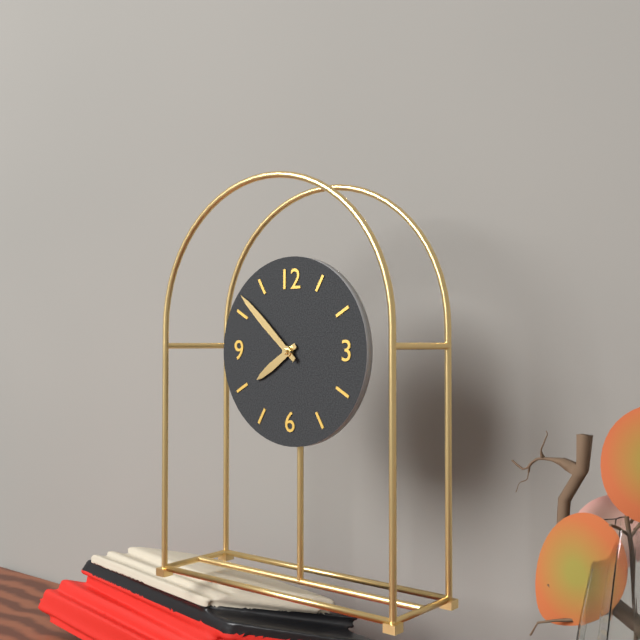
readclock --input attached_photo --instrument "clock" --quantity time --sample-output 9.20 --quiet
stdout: 7.52
